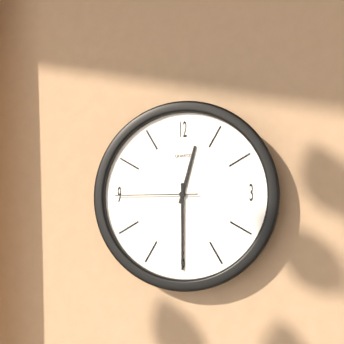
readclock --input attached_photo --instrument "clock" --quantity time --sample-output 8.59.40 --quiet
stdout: 12.30.45
